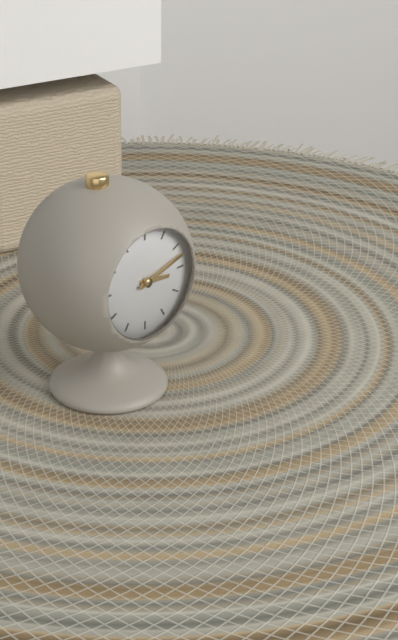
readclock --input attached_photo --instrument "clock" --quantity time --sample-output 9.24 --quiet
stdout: 3.12
